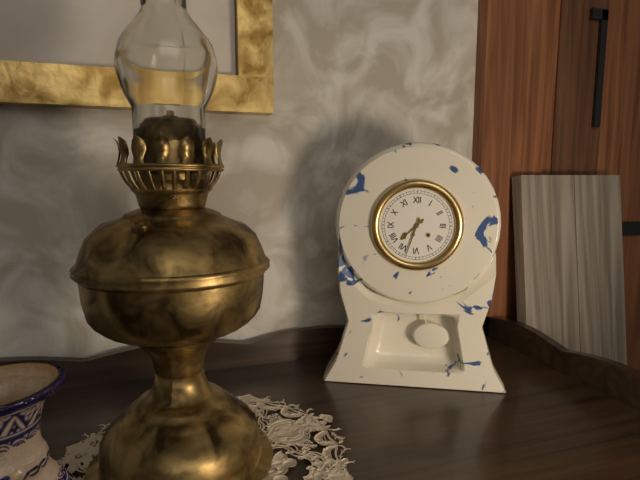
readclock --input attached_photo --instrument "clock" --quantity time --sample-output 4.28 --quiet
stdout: 7.33
